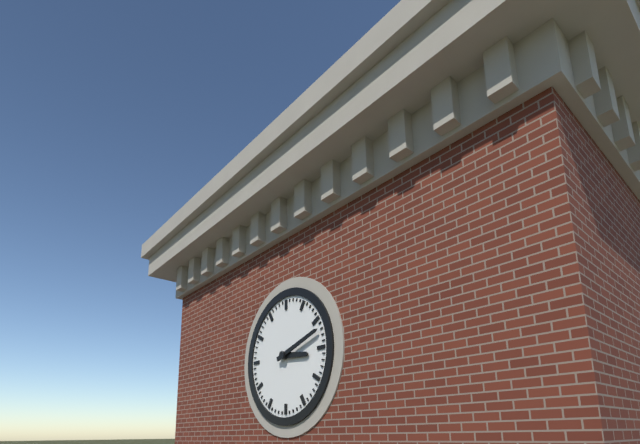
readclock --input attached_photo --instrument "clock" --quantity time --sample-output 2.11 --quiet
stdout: 3.12
